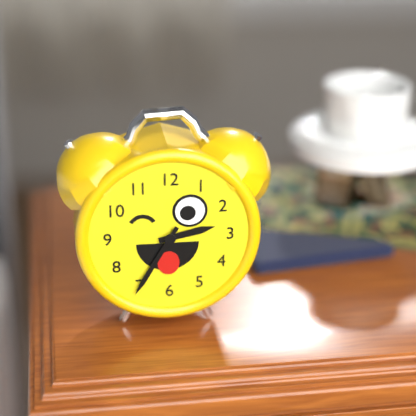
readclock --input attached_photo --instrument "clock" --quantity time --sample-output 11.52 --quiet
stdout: 2.35
